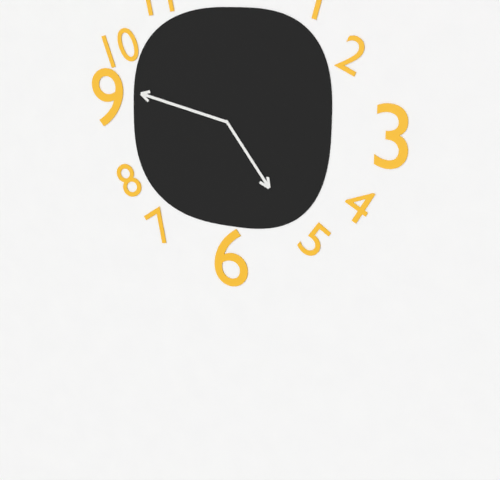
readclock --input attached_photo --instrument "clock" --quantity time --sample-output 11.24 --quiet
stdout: 4.47
